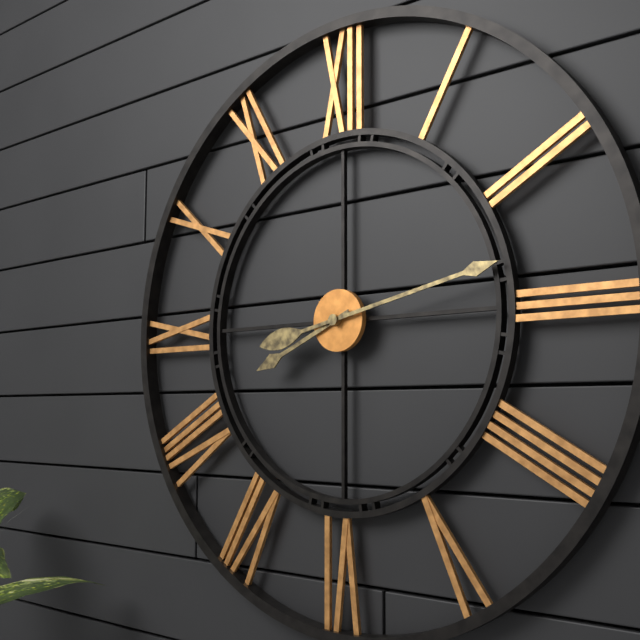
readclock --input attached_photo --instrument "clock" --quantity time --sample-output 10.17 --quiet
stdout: 8.13
